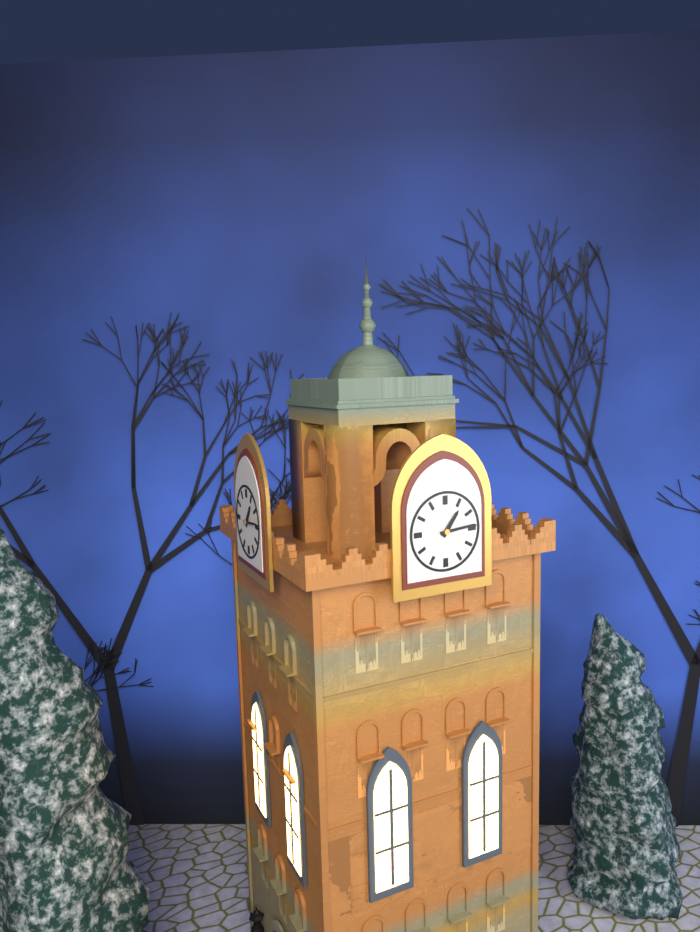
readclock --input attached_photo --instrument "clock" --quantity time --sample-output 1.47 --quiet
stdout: 1.14
